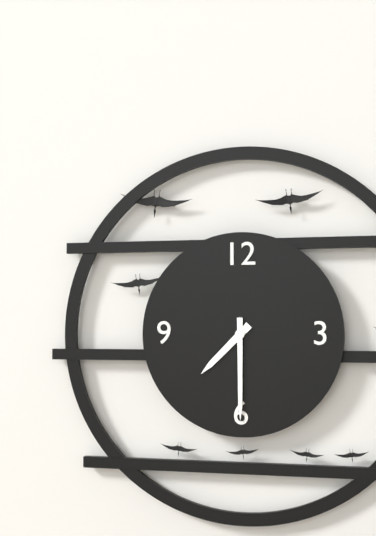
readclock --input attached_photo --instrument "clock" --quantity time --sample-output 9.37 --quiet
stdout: 7.30
